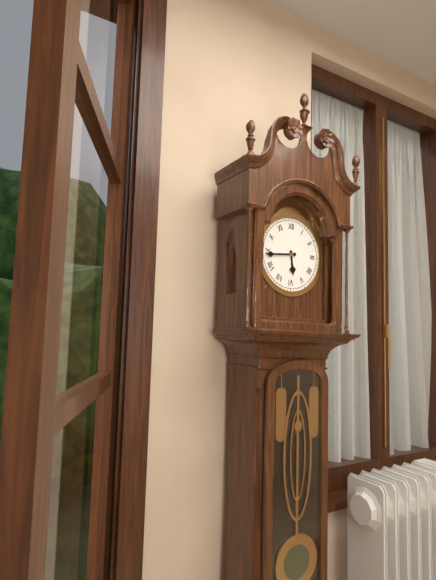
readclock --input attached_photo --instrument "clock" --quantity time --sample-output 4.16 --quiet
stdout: 5.44
